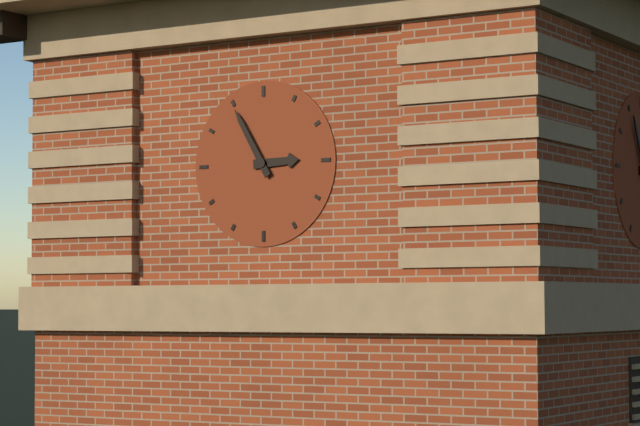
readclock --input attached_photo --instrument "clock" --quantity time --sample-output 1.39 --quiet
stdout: 2.55
